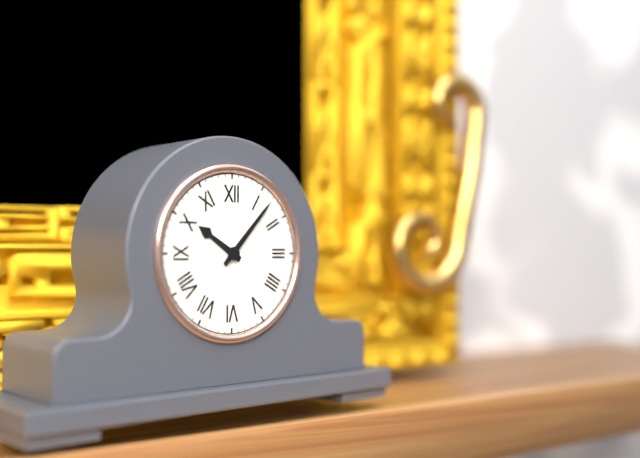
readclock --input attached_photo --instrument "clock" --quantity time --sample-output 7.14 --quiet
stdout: 10.07
